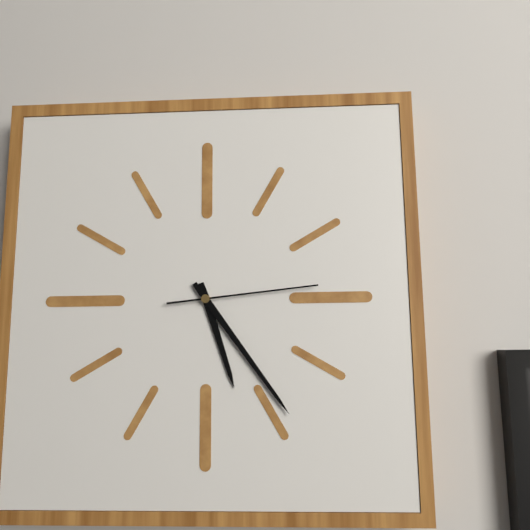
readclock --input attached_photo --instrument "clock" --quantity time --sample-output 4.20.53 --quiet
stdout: 5.24.14
